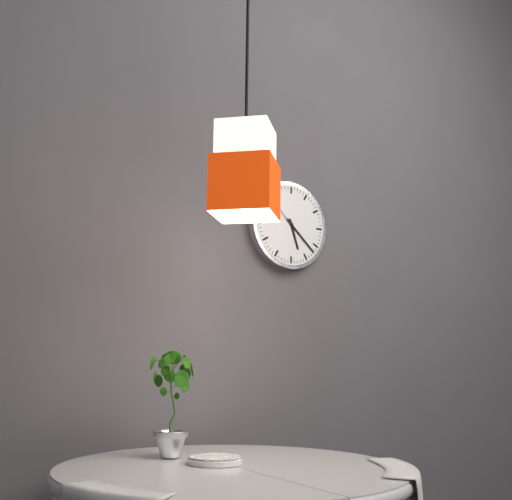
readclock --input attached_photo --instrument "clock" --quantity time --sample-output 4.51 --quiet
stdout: 5.22
